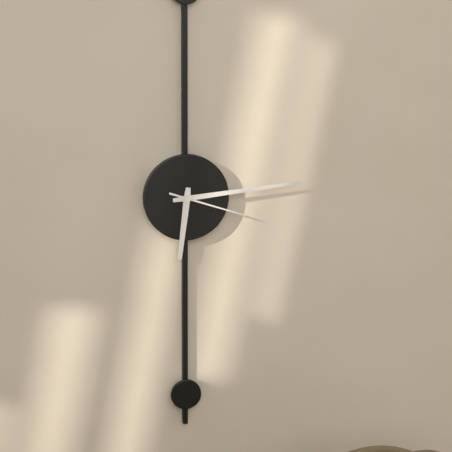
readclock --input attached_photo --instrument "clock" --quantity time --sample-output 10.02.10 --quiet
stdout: 6.14.18
